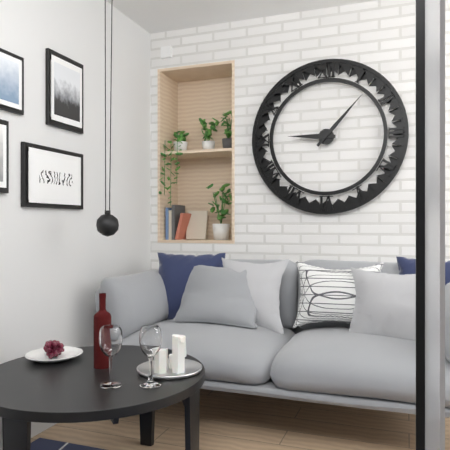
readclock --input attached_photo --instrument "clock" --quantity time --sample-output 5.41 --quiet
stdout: 9.07
